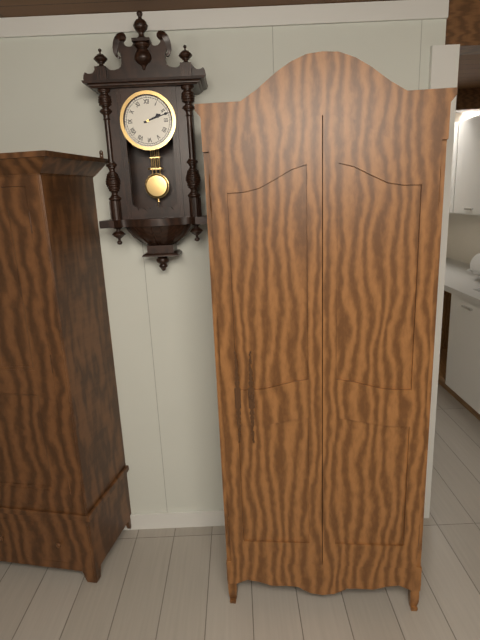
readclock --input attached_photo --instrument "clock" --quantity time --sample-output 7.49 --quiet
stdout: 2.12
